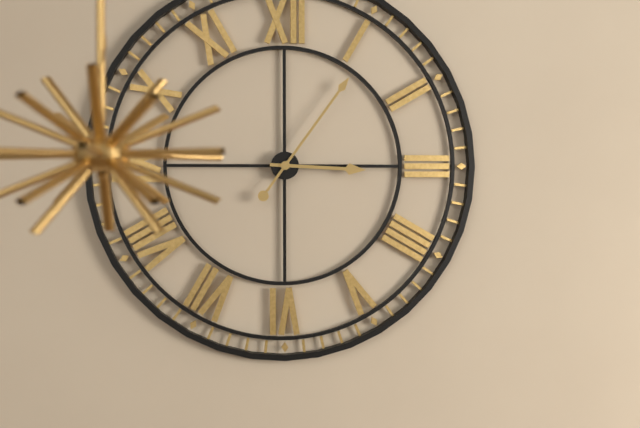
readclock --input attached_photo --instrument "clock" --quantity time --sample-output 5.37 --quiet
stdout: 3.06
